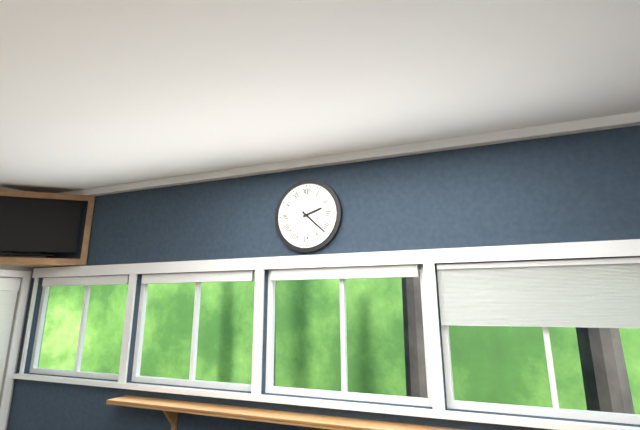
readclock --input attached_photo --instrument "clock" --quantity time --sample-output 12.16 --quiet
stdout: 2.22
